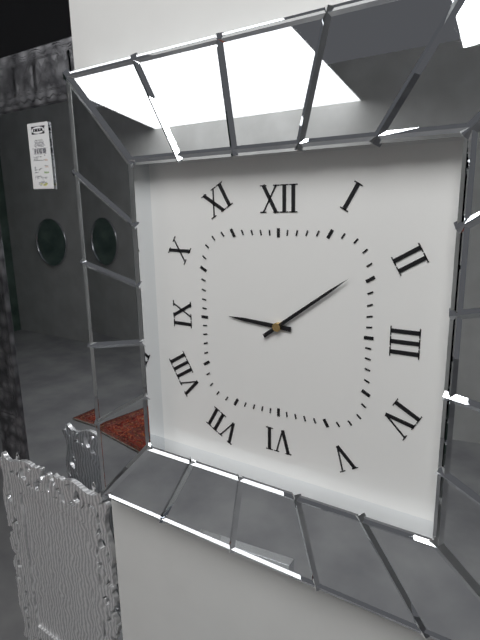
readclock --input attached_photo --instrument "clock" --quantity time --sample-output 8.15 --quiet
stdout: 9.09
